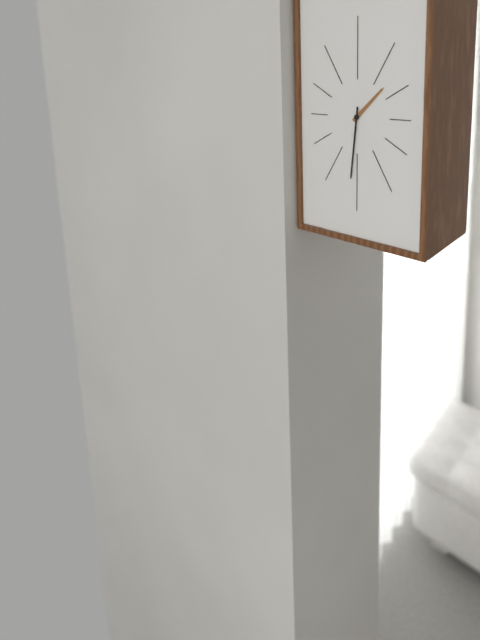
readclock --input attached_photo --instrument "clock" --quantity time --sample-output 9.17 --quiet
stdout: 1.31
